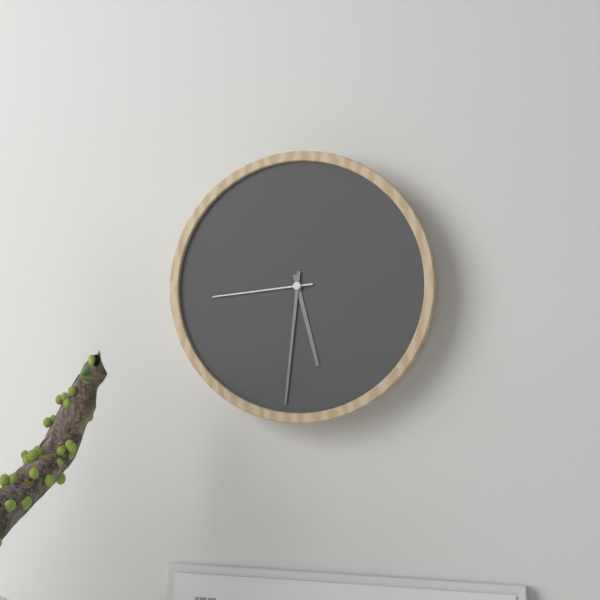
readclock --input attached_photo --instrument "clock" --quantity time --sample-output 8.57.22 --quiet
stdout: 5.31.44
